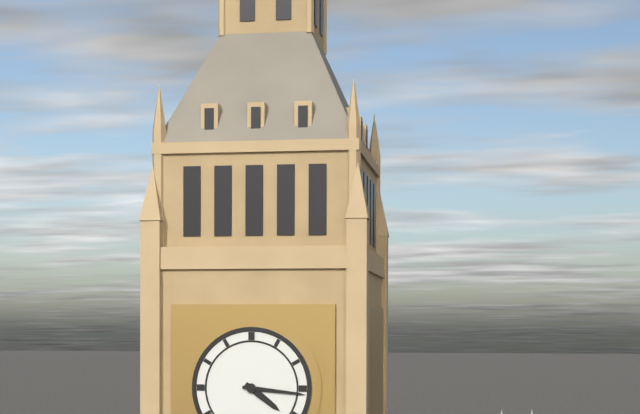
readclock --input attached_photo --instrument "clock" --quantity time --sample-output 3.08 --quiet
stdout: 4.16
